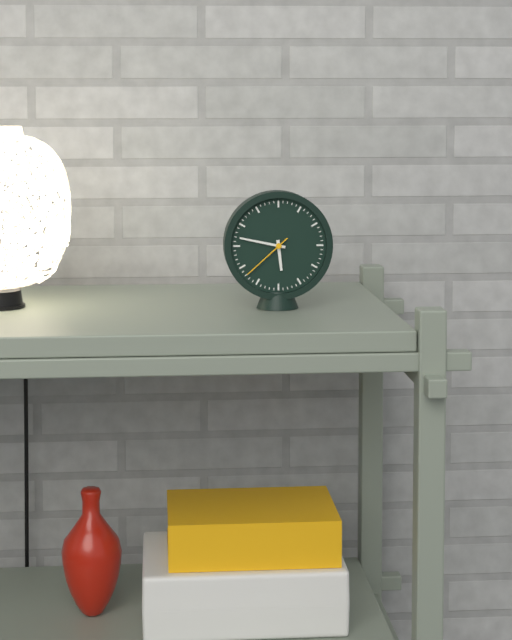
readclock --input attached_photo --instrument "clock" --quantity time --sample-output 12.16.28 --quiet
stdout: 5.47.38
